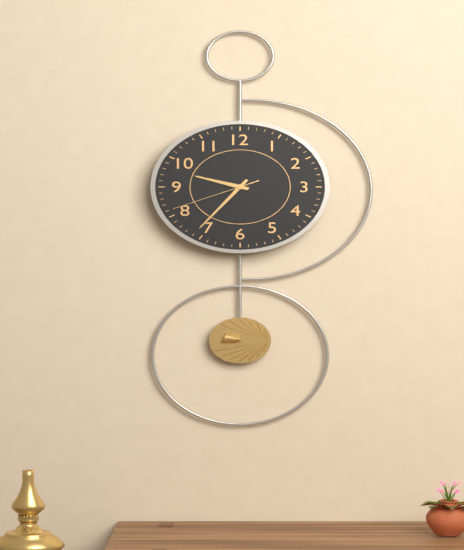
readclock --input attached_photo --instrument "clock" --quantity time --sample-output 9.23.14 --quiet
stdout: 9.36.41
